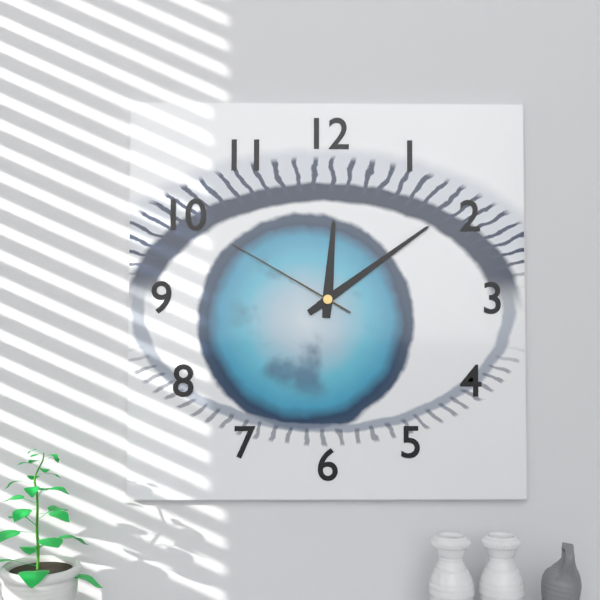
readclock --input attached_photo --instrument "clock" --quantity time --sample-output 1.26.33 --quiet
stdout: 12.09.50
